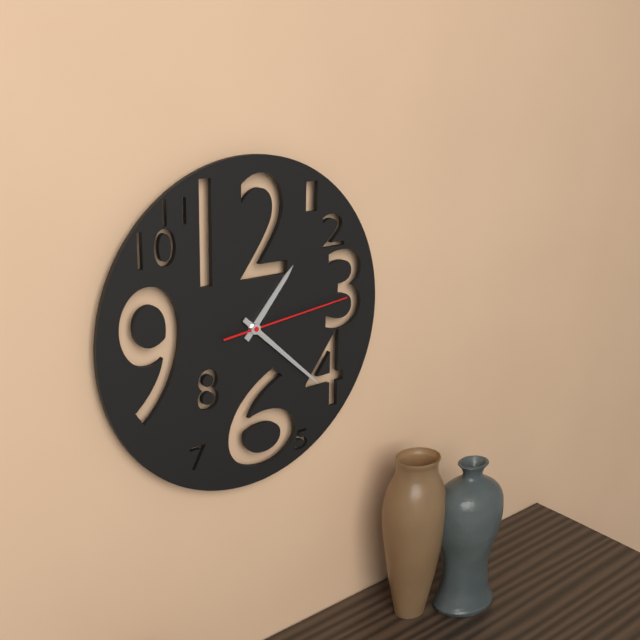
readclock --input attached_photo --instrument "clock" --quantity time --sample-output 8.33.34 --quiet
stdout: 1.22.14
